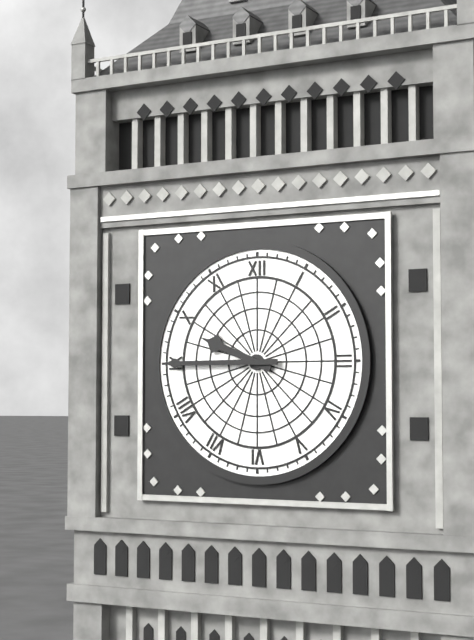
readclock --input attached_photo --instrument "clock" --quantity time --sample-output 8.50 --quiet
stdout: 9.45
